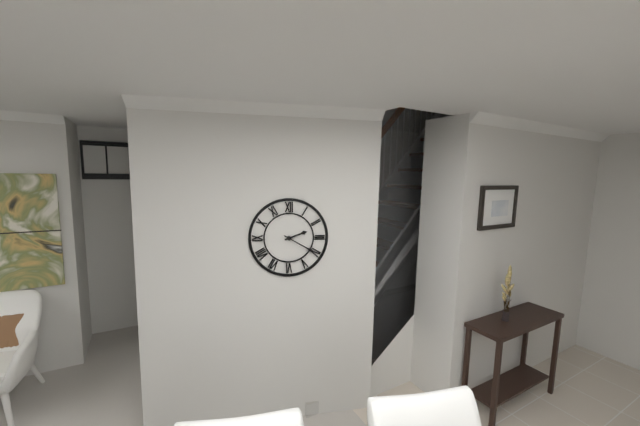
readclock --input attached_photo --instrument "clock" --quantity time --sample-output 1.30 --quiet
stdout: 2.20
